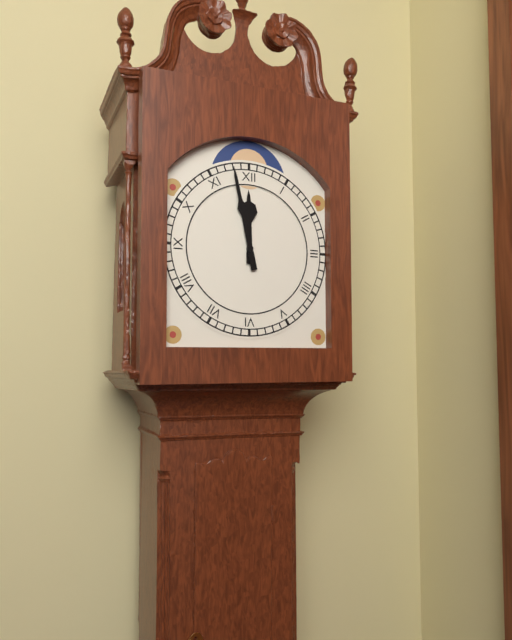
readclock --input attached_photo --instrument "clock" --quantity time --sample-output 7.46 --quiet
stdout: 11.58
